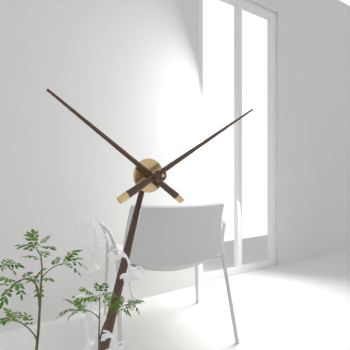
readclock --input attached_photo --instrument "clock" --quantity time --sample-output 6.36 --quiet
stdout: 10.10
